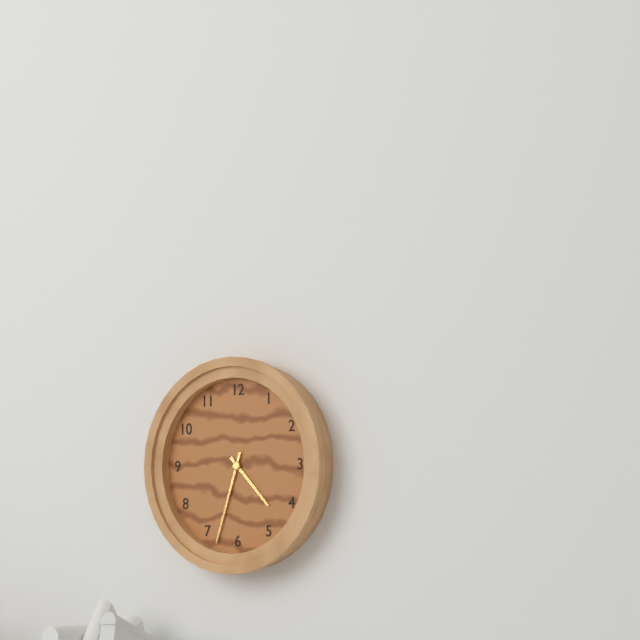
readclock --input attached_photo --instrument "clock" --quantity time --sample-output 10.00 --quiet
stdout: 4.33
